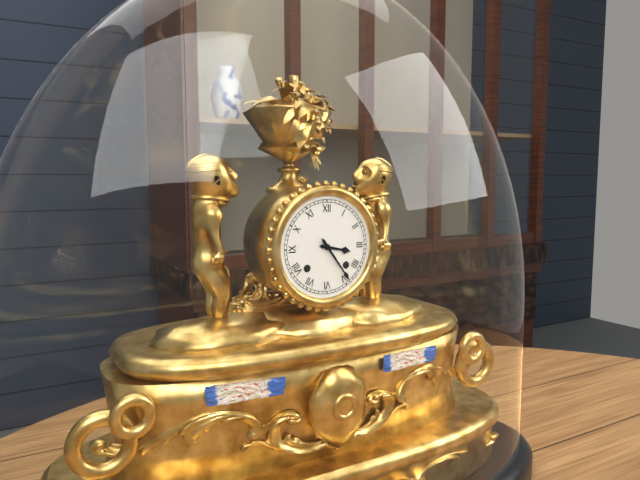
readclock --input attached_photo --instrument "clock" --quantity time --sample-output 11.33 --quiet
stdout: 3.24
